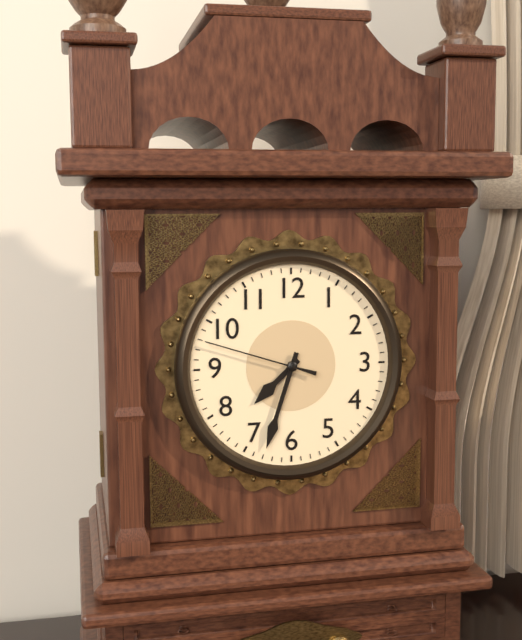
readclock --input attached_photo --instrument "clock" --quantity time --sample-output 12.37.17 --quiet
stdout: 7.33.48
